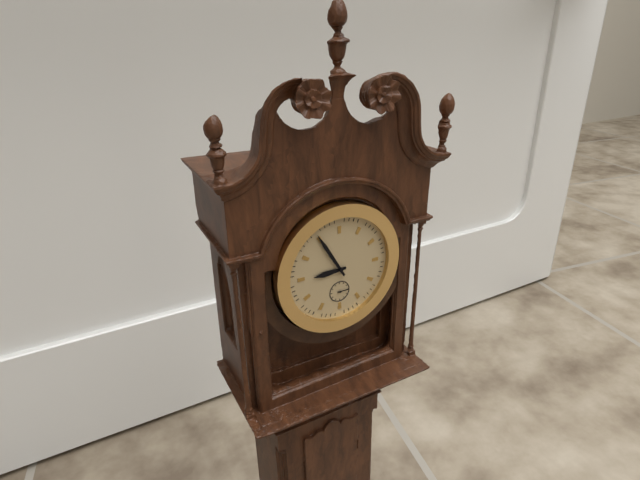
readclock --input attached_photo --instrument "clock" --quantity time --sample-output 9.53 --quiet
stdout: 8.55
